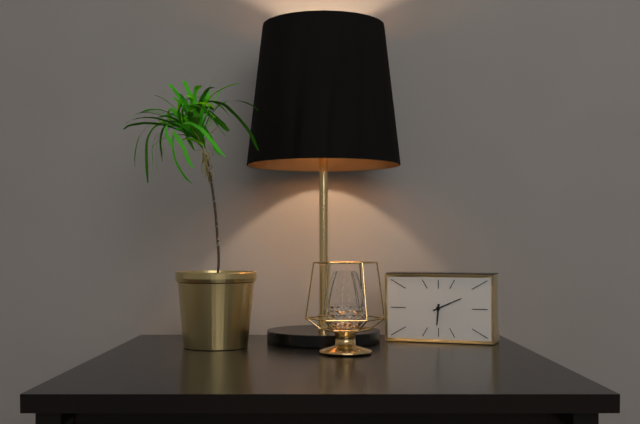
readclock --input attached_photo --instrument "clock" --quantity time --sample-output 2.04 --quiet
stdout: 6.11
